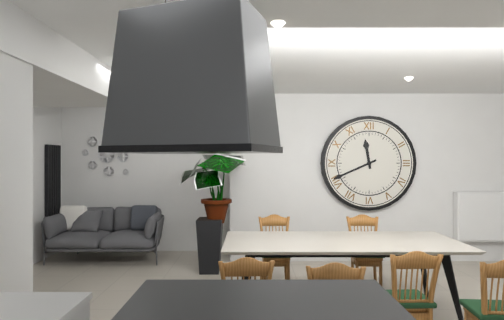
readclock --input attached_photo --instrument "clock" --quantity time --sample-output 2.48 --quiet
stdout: 11.41
